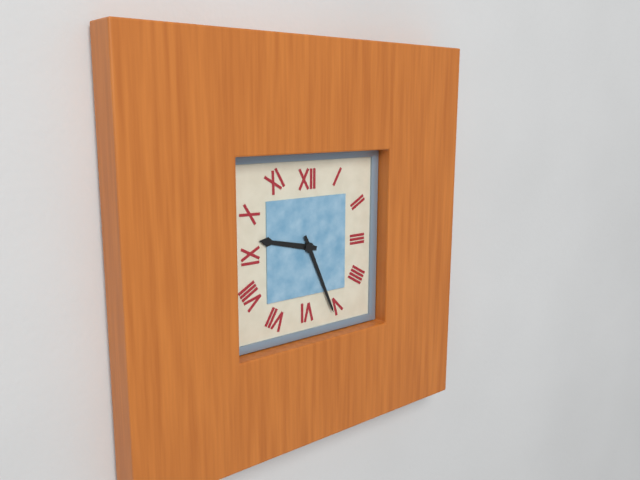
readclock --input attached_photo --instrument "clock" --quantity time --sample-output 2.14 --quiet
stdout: 9.26
